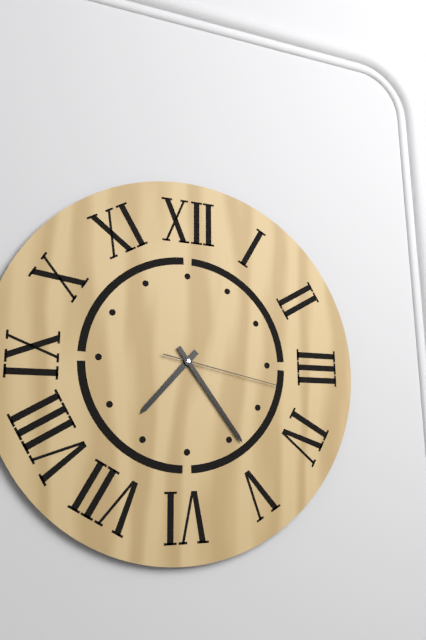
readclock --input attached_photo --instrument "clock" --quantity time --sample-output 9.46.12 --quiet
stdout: 7.24.17
